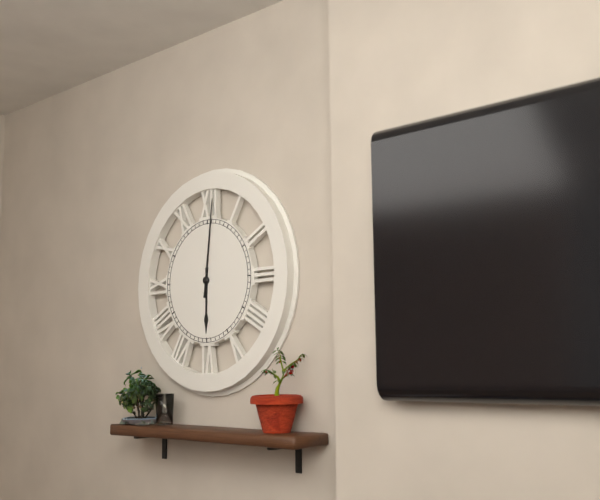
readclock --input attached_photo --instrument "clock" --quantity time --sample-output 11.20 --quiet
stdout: 6.01
